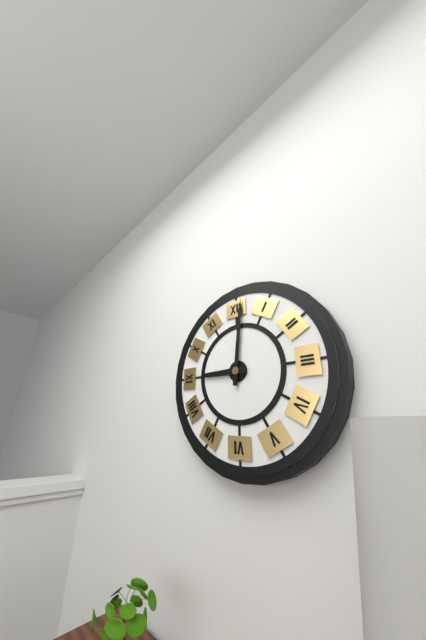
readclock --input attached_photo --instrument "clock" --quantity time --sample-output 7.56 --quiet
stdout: 9.01
